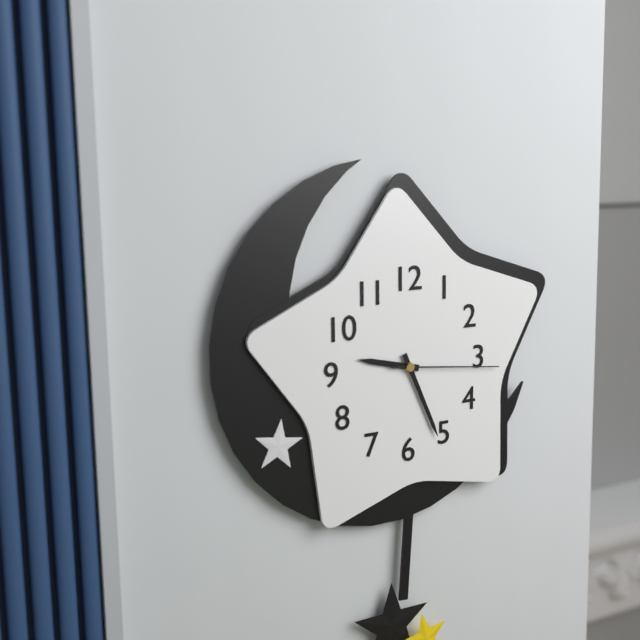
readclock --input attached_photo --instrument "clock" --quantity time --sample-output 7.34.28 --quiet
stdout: 9.26.16
